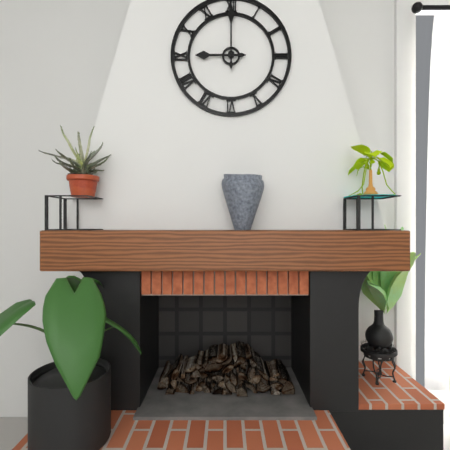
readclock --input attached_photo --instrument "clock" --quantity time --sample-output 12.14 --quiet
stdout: 9.00
